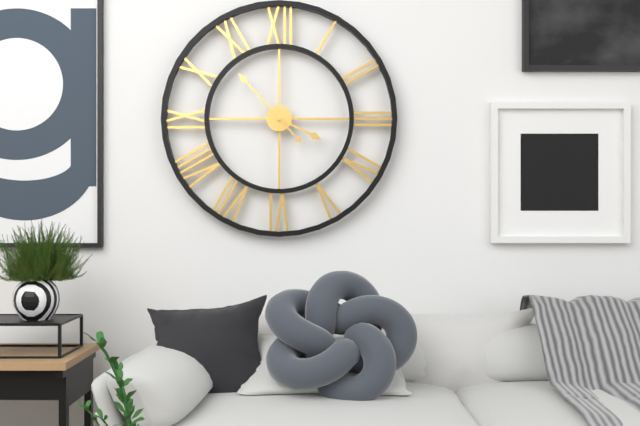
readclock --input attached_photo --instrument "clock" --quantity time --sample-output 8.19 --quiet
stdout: 3.53
